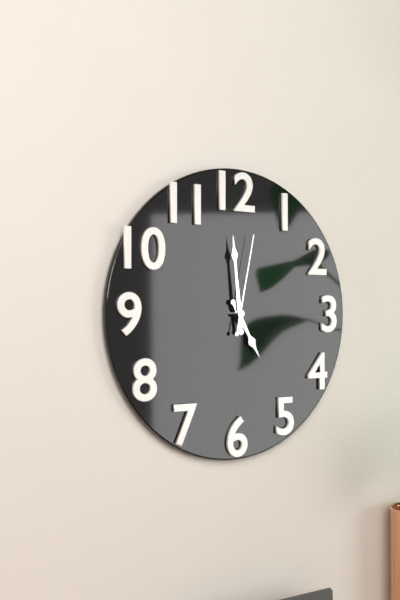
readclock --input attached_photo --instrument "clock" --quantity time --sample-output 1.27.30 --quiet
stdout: 4.59.02
